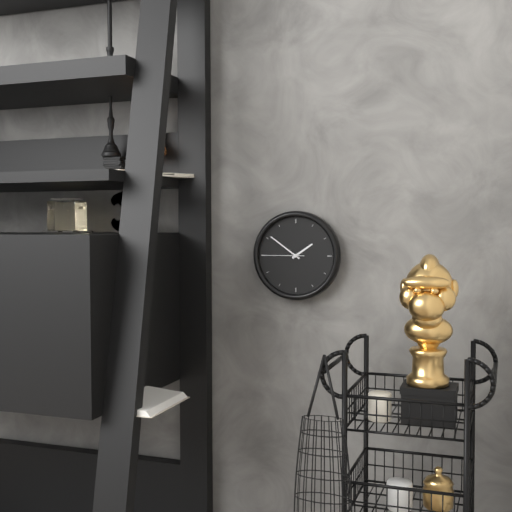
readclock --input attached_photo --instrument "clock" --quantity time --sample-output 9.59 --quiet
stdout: 1.51
